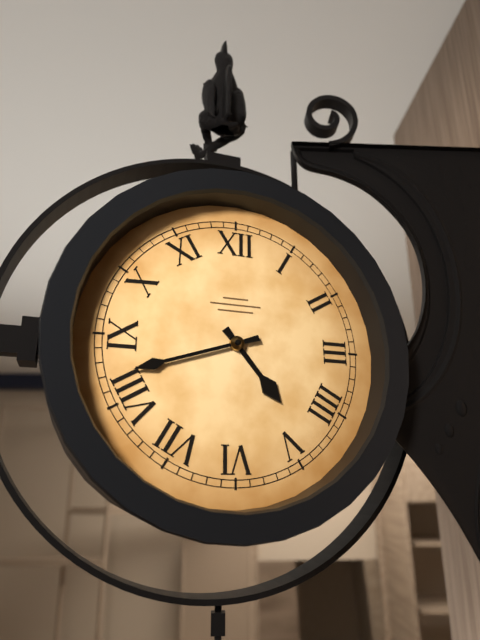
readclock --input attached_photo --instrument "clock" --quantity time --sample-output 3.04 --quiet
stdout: 4.42
